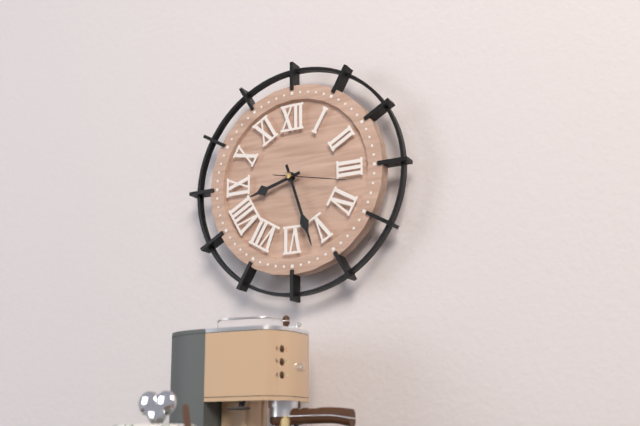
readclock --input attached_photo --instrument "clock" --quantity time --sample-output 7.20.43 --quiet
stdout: 8.27.17
